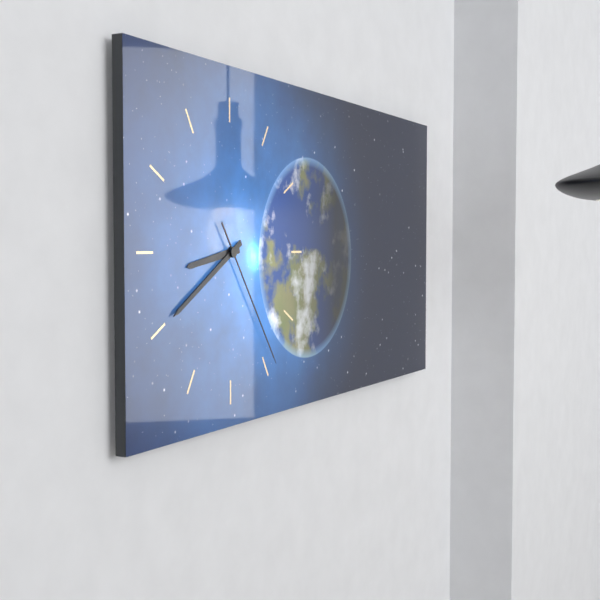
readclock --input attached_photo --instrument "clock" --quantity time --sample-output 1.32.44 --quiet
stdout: 8.40.24
